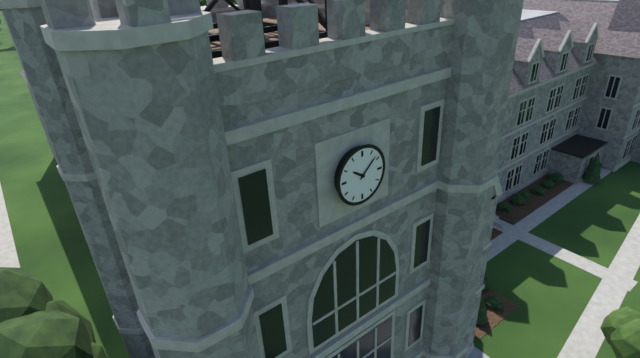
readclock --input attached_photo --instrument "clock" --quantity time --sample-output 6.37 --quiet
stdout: 10.08
